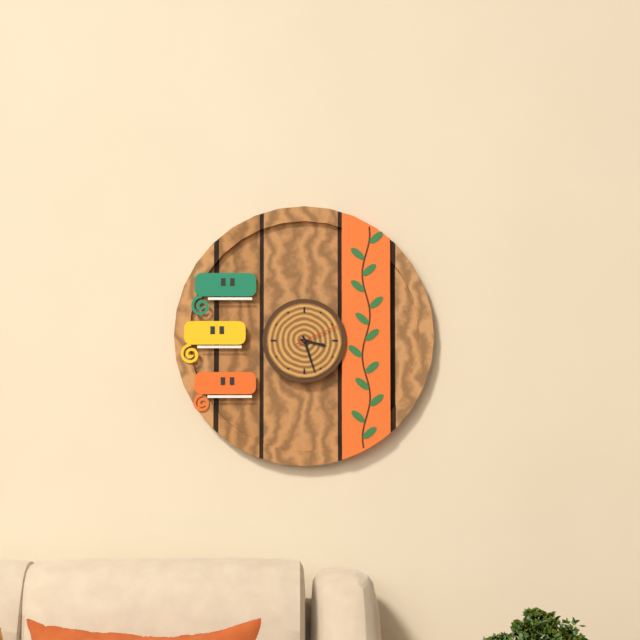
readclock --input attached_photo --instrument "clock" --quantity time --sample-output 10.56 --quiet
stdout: 3.27
